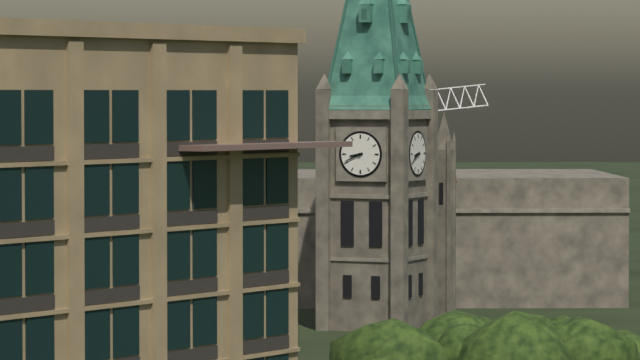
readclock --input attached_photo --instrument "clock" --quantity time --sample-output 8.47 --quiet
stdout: 8.41
